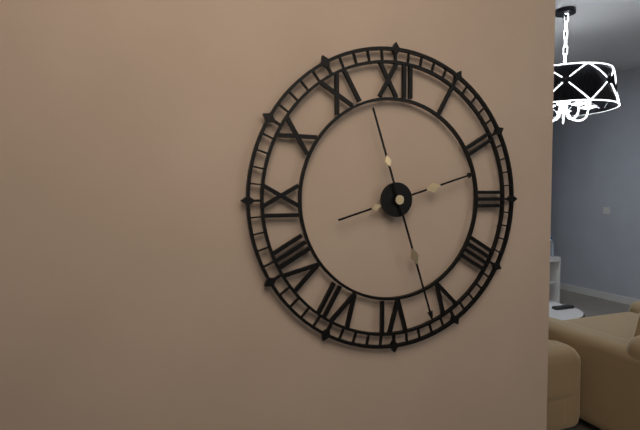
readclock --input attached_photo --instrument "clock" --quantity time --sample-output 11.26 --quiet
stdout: 2.27
